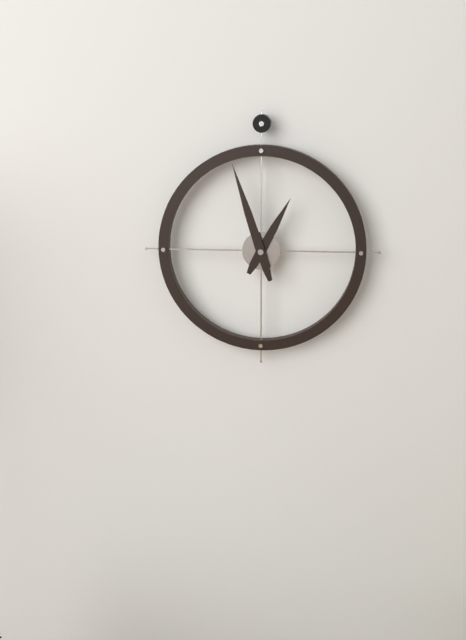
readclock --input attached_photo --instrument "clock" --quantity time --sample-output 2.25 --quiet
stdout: 12.57
